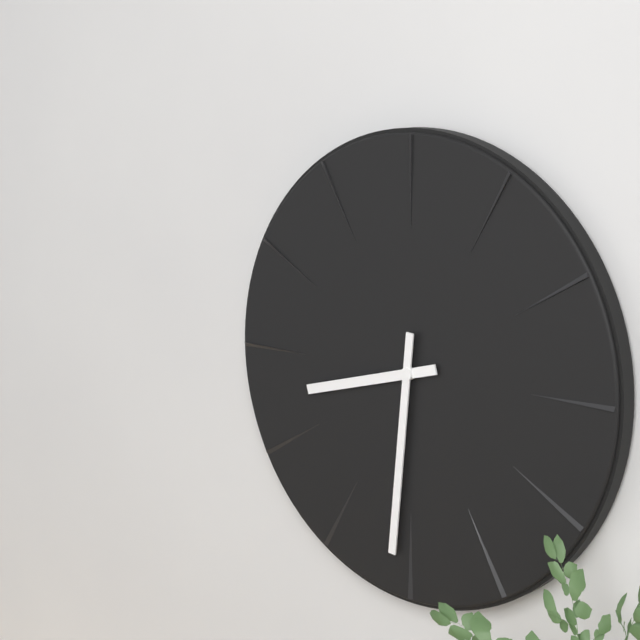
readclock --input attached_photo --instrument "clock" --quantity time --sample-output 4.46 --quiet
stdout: 8.31
